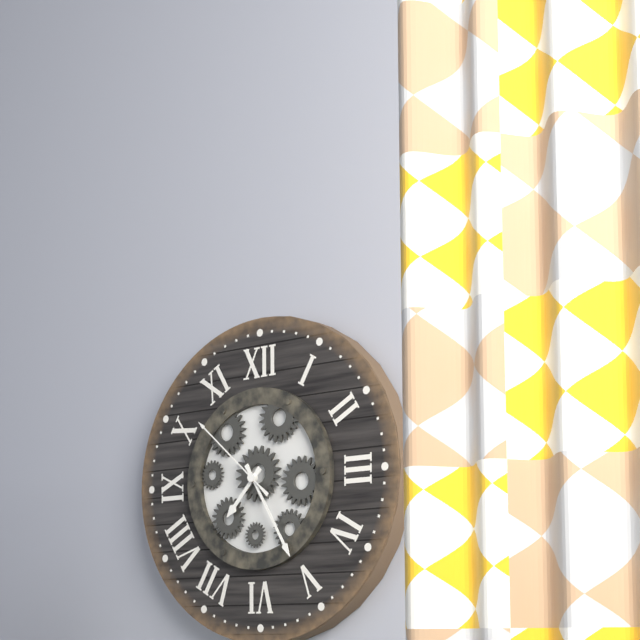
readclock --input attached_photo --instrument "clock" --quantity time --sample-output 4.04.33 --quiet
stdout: 7.25.52
